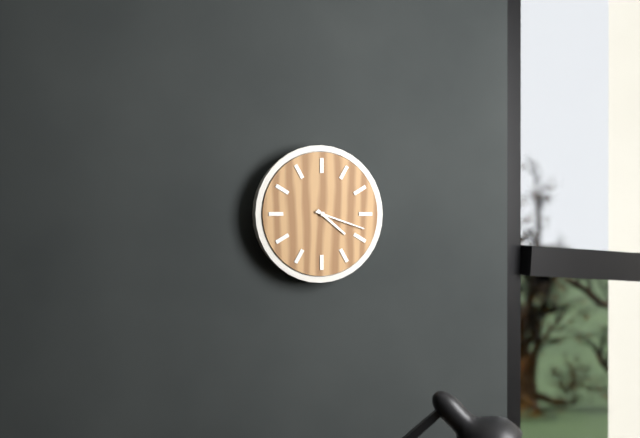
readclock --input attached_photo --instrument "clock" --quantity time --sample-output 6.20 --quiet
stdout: 4.18
